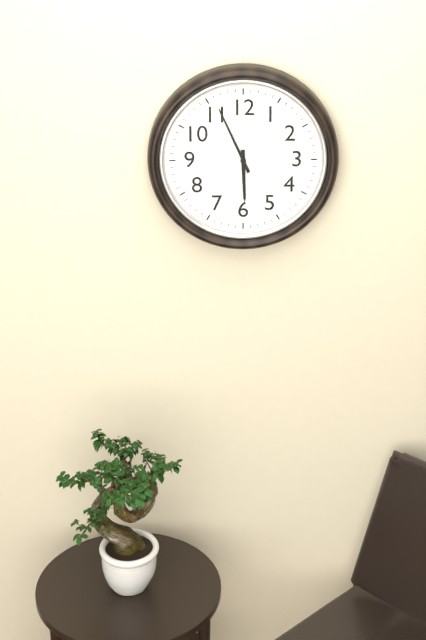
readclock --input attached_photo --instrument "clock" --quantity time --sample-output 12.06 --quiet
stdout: 5.56
